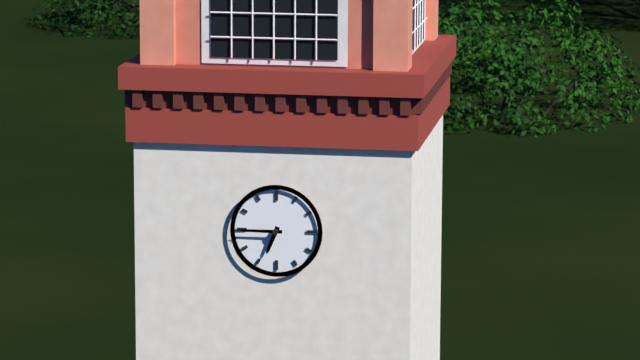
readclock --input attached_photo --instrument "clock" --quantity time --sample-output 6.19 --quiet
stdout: 6.45
